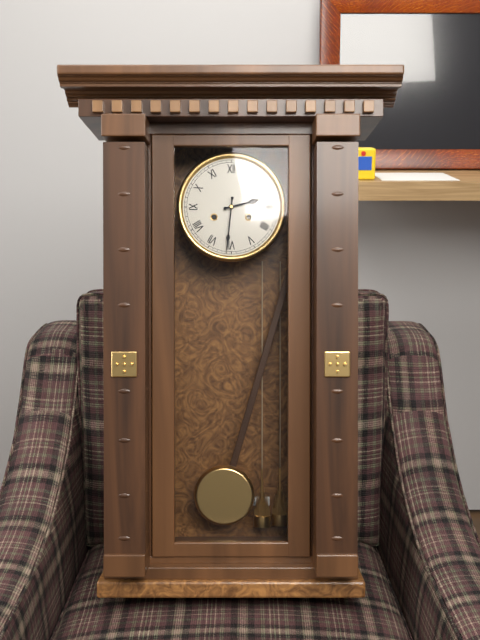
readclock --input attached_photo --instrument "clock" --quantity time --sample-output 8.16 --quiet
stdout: 2.31
